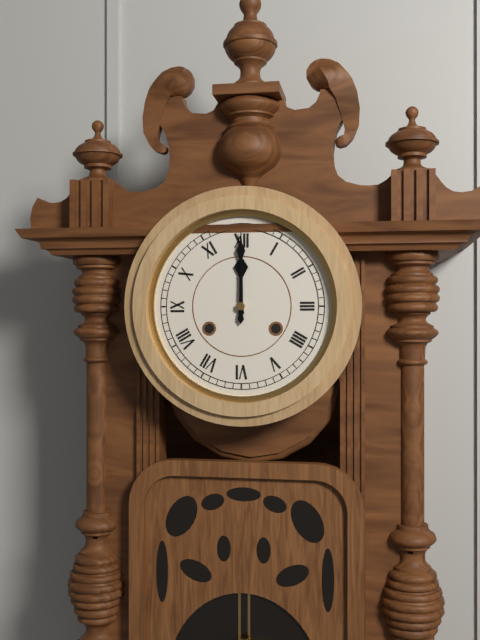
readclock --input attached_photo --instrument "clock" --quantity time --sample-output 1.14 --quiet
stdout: 12.00
